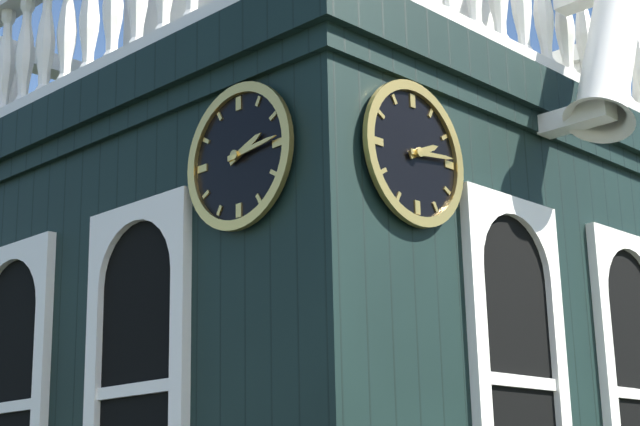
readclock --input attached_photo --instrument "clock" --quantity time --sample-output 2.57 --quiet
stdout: 2.14
